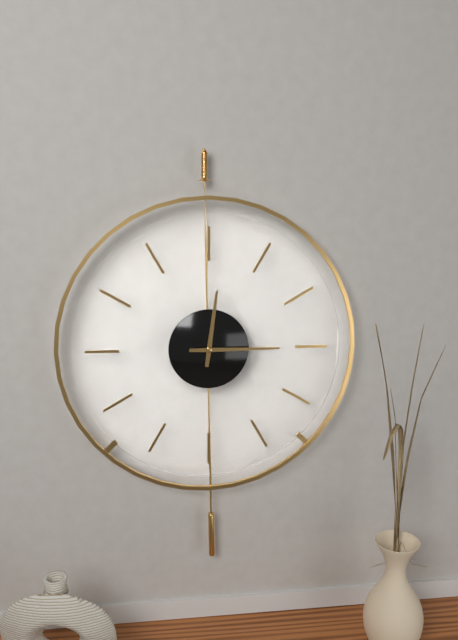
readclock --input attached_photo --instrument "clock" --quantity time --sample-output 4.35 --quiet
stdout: 12.15
